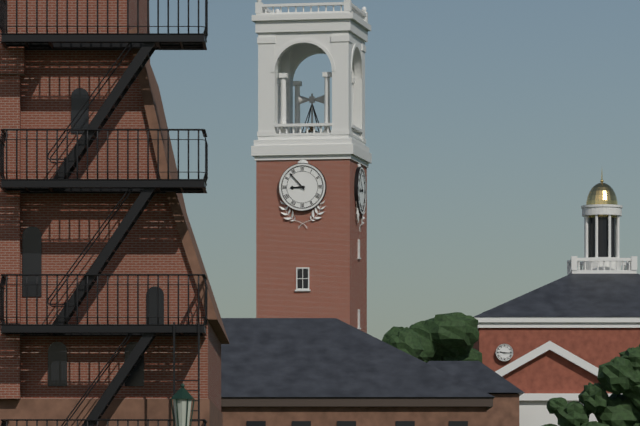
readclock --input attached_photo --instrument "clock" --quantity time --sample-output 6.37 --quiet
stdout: 8.53
